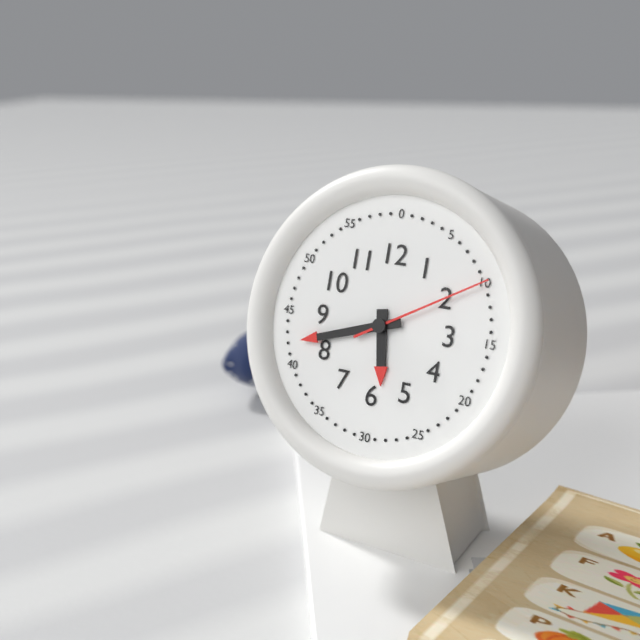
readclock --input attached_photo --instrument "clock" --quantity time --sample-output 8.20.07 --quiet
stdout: 5.42.10
